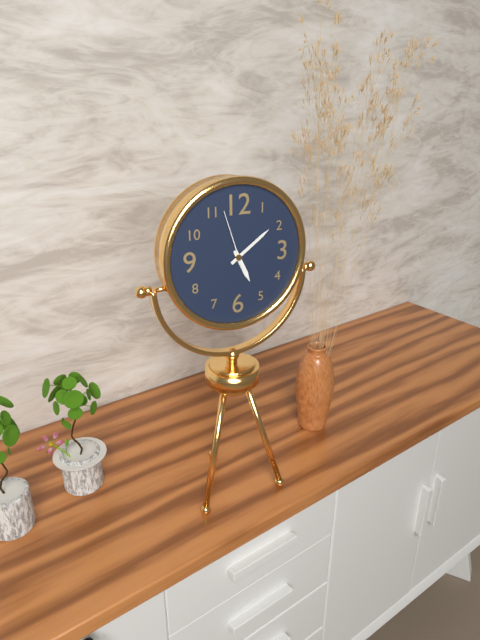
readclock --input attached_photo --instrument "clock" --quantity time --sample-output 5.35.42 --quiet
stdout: 5.09.57
